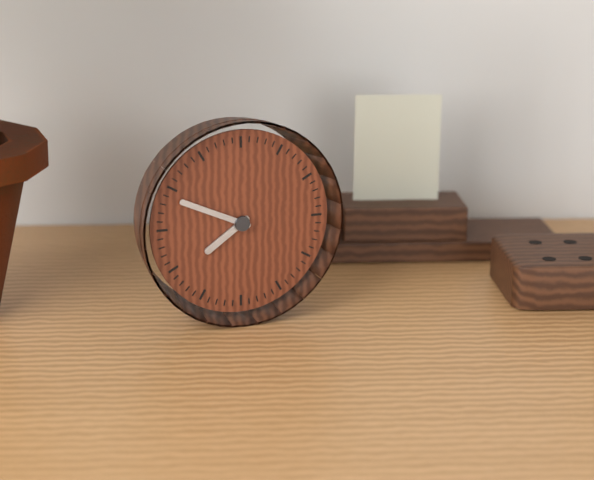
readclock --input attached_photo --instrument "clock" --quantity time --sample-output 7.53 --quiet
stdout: 7.49
